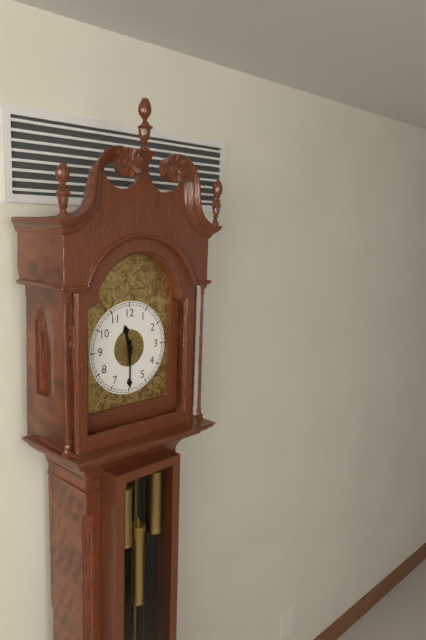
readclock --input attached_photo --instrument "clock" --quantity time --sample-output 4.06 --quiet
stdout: 11.30
